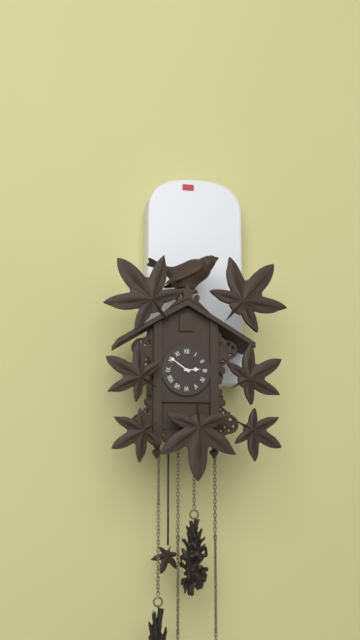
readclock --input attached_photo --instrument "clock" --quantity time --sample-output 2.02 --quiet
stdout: 2.51
